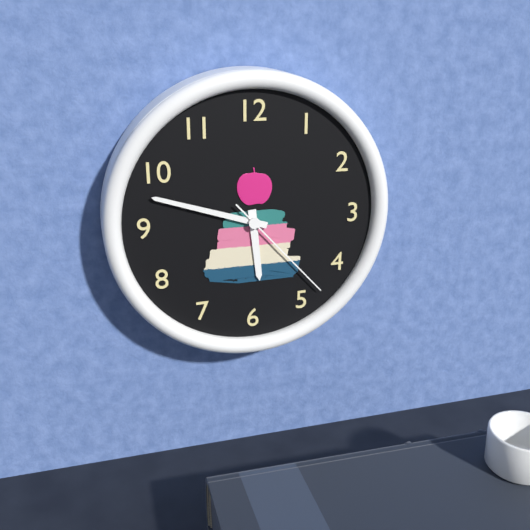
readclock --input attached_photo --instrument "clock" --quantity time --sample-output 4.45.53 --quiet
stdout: 5.48.23
